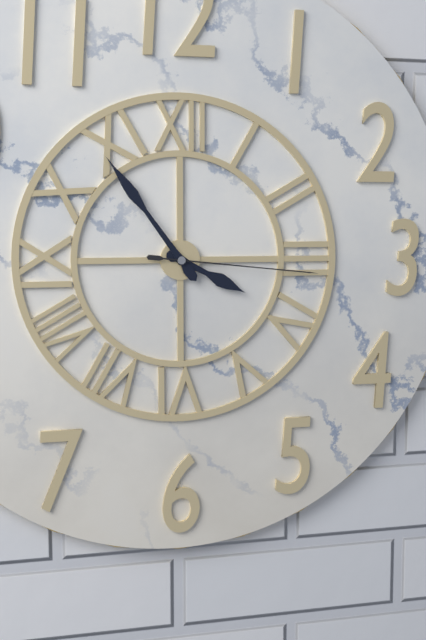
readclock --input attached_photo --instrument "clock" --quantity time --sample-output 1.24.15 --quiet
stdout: 3.54.16
